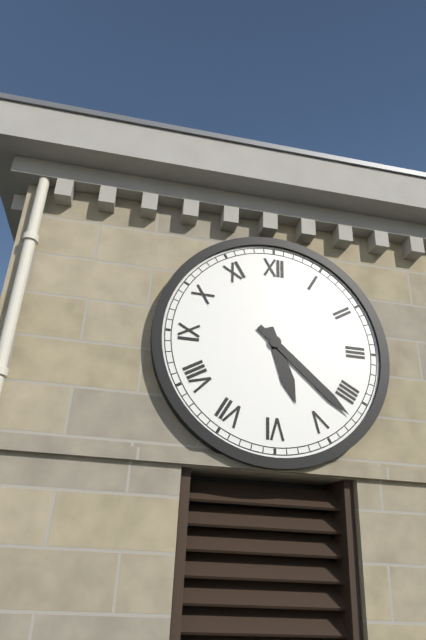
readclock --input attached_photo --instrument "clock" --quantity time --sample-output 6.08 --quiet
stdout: 5.22
